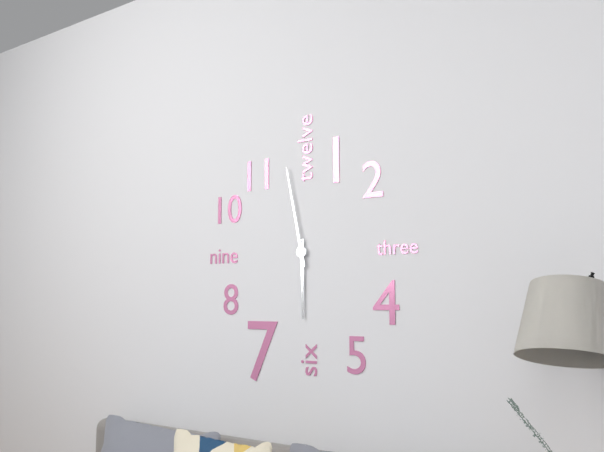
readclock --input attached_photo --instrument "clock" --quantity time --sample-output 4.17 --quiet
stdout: 5.58
